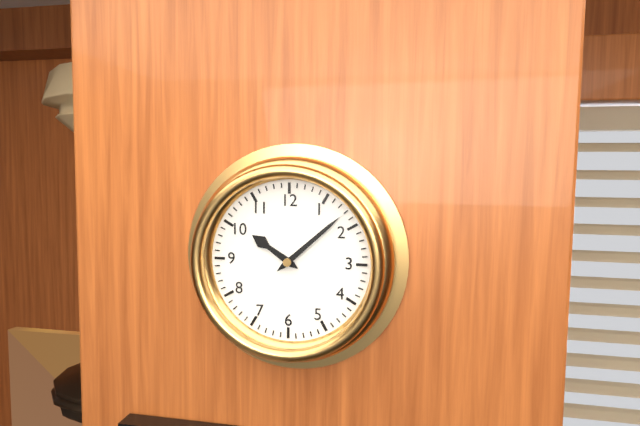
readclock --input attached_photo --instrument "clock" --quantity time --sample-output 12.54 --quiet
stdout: 10.08
